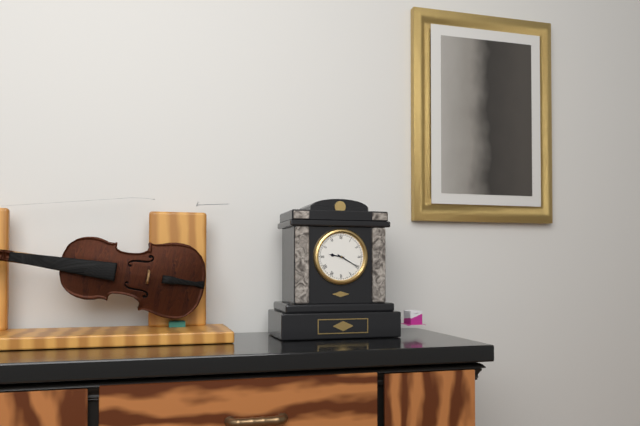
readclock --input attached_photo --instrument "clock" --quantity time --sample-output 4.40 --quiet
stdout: 9.20
